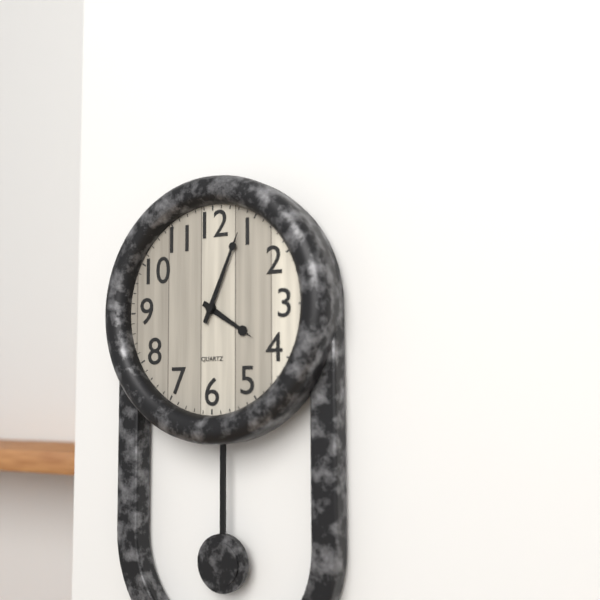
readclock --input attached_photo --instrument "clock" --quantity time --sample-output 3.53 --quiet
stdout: 4.04
